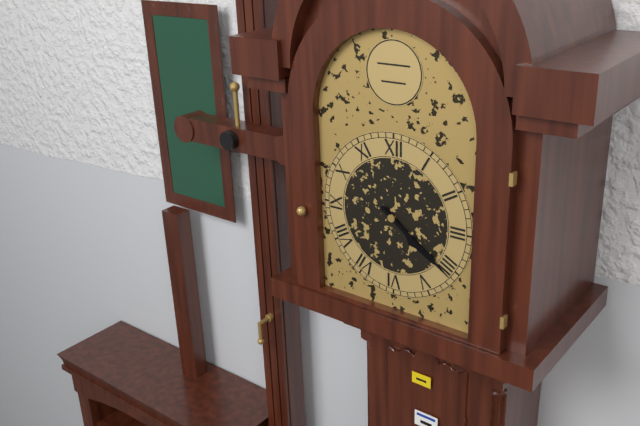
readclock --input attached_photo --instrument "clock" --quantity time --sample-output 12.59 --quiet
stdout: 4.21
